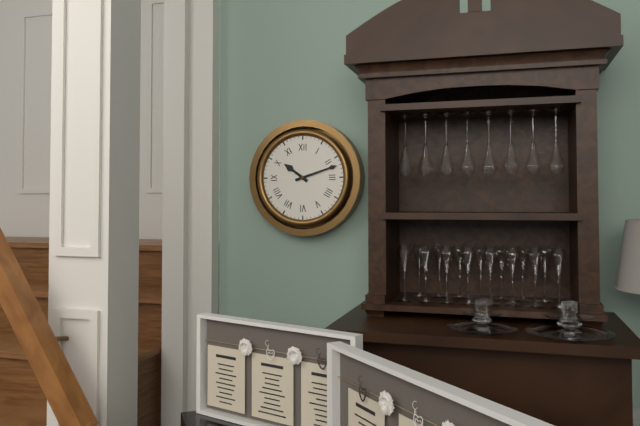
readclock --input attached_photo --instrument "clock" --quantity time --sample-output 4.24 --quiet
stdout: 10.12
